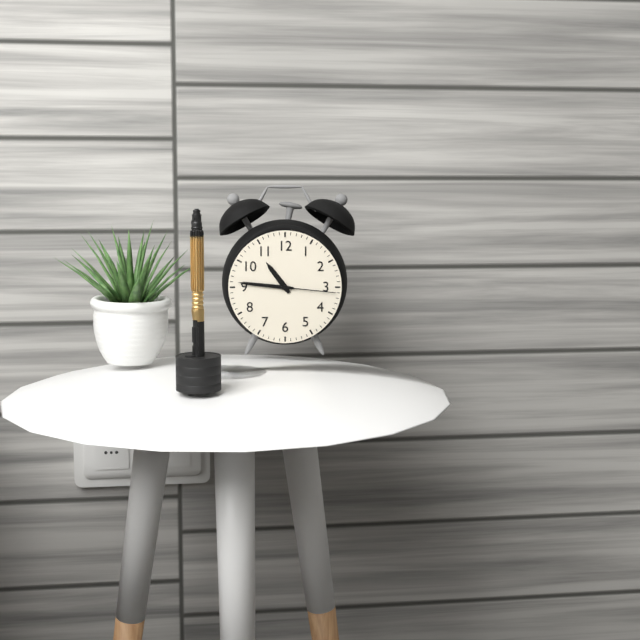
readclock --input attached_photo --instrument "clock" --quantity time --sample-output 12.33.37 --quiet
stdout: 10.46.16
